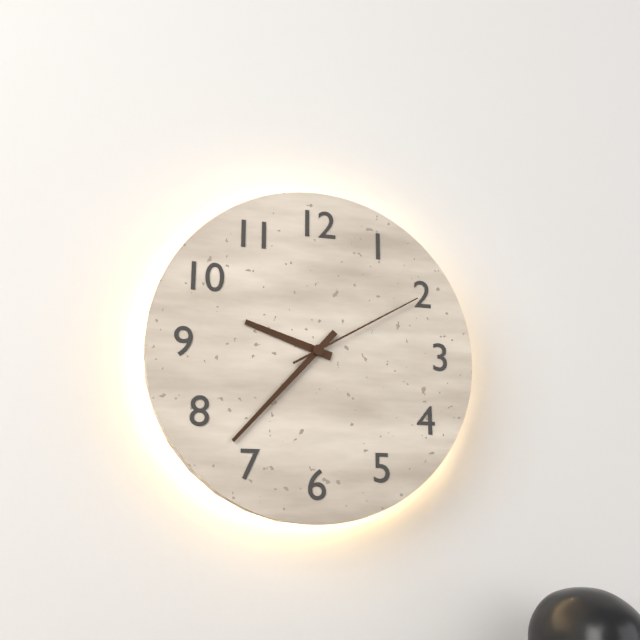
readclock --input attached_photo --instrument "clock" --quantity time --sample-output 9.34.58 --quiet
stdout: 9.37.10
